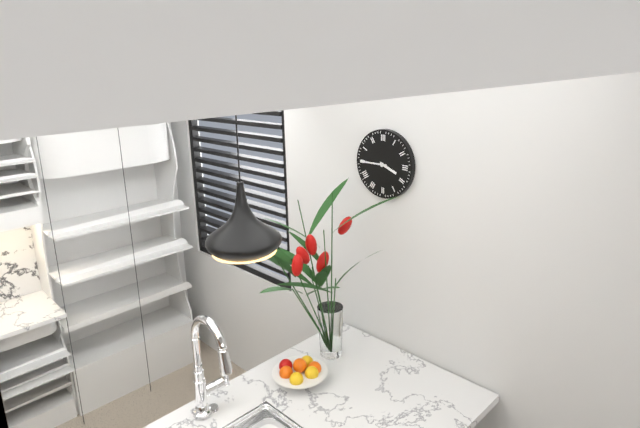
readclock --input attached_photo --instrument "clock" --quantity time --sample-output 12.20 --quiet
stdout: 3.45
